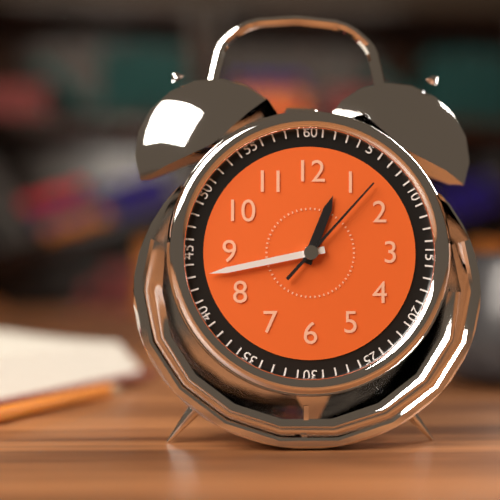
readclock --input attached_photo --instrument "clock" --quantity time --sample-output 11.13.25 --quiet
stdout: 12.43.07
